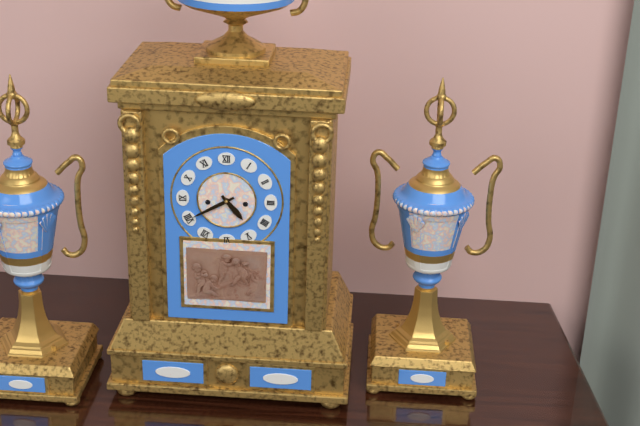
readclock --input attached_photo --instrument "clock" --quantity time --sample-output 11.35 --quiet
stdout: 4.40
